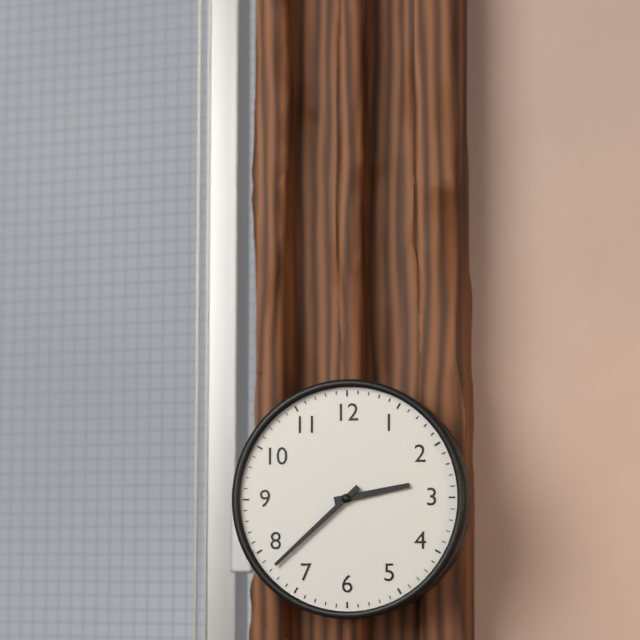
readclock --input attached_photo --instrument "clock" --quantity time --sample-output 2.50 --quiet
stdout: 2.38
